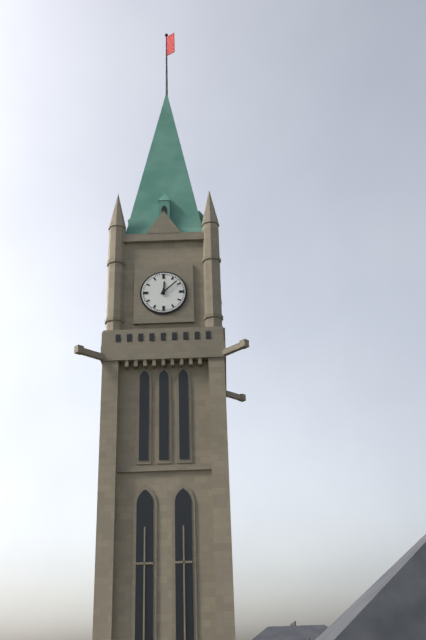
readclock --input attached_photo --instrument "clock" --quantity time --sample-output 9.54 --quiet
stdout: 12.08
